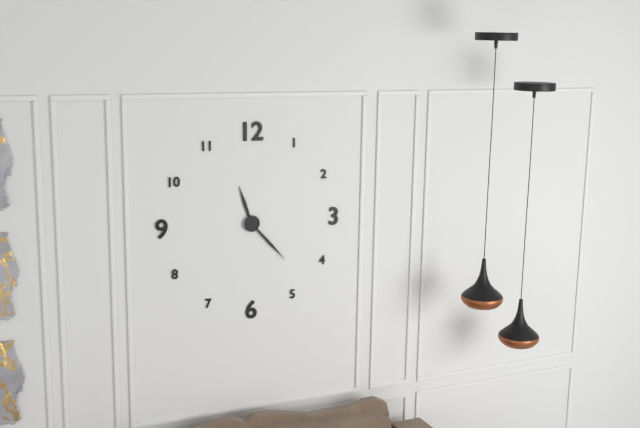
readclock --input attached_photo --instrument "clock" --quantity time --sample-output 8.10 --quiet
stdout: 11.23
